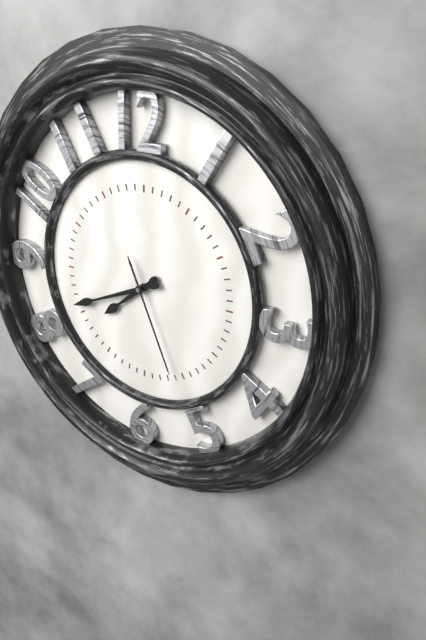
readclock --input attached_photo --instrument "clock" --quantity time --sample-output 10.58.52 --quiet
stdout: 7.41.26
